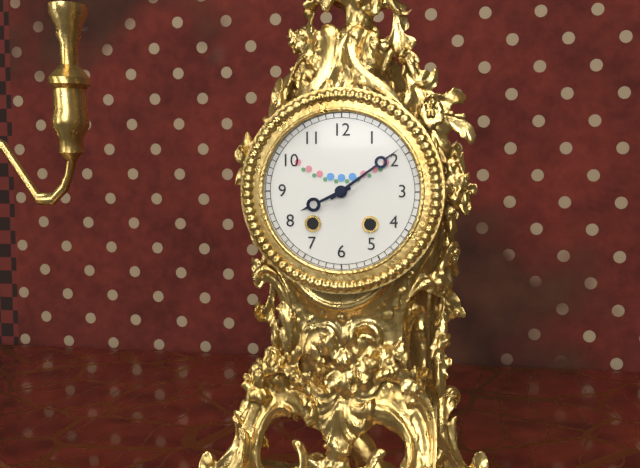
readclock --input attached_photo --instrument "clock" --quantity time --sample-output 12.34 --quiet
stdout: 8.09
